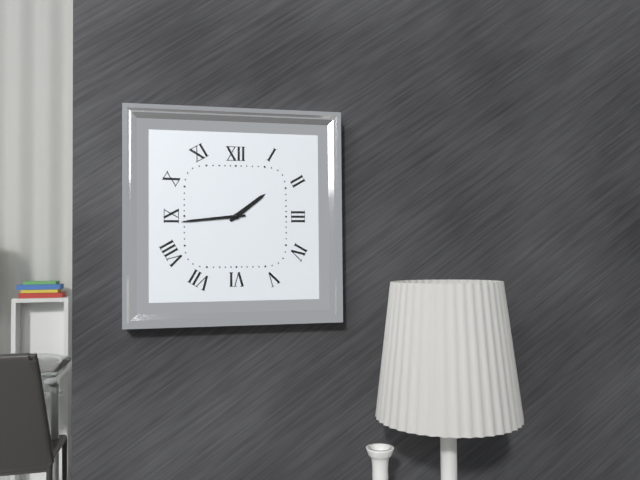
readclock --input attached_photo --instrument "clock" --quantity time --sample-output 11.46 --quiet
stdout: 1.44
